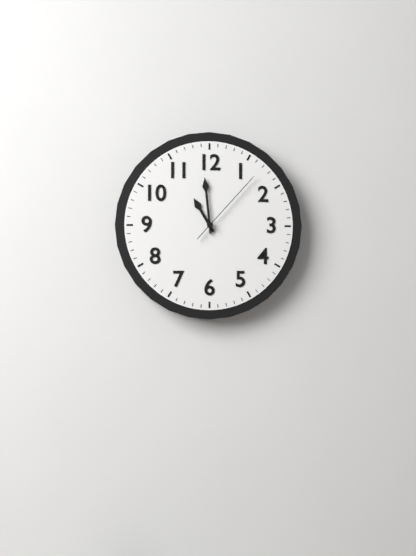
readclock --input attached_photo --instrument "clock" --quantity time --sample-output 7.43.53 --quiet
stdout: 10.59.07
